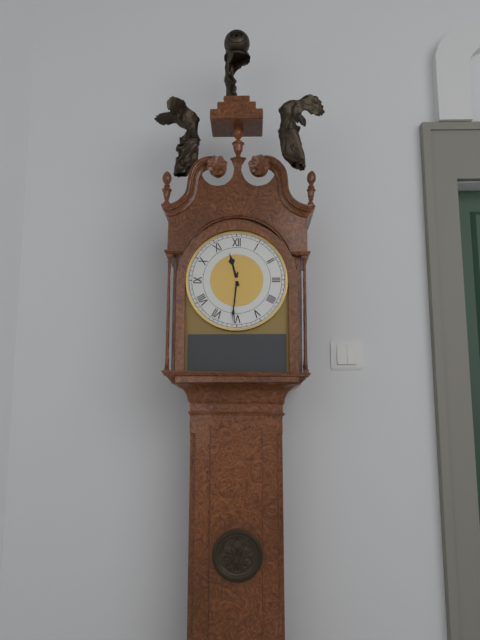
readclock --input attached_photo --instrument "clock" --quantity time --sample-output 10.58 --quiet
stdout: 11.31
